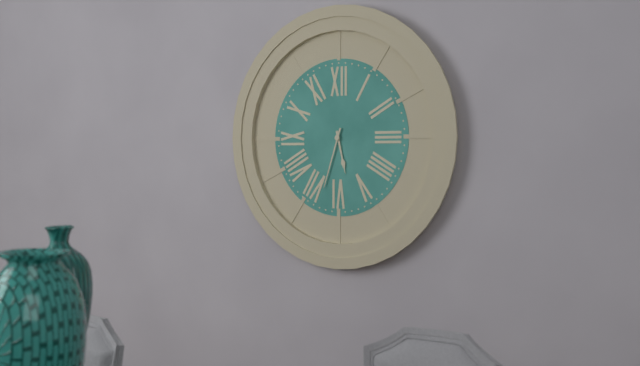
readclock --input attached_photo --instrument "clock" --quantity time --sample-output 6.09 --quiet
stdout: 5.33
